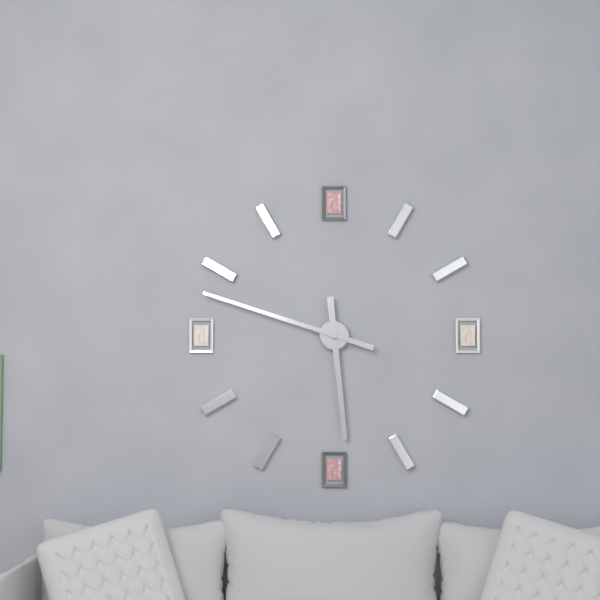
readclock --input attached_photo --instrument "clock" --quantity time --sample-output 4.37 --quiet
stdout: 5.48
